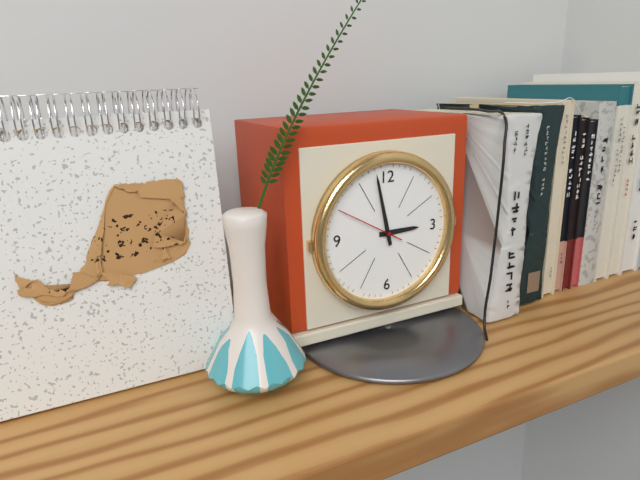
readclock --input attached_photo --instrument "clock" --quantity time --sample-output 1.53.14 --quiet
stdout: 2.58.50
